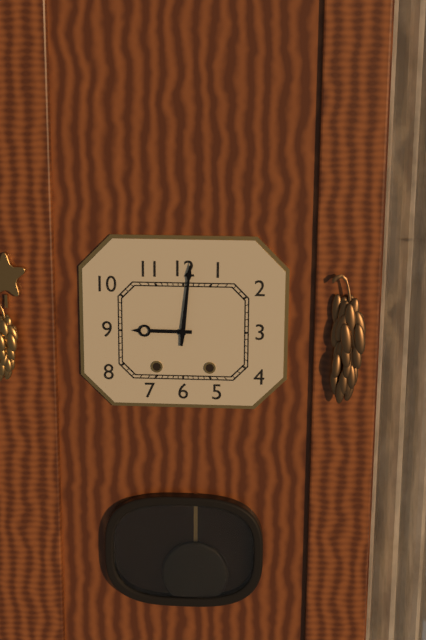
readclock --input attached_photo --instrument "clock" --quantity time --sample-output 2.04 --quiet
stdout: 9.01
